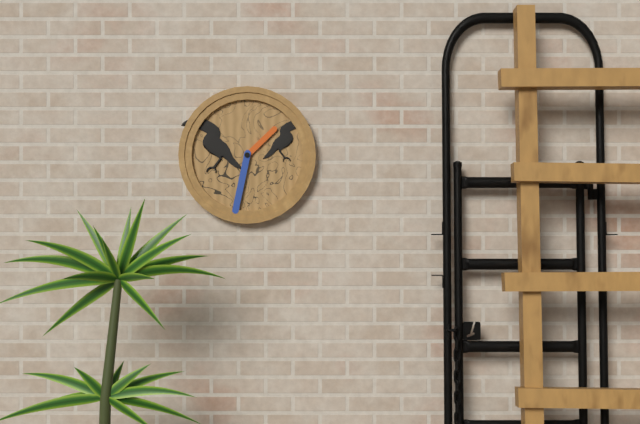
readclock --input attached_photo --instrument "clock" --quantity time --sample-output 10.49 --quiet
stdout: 1.32
